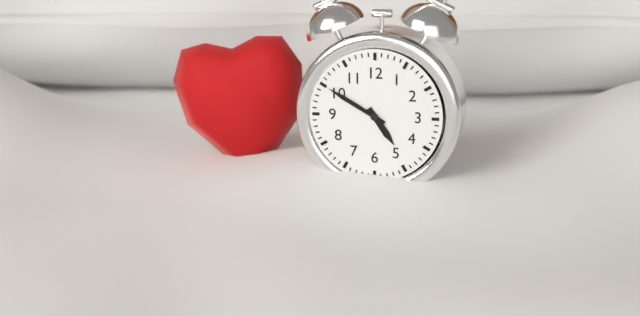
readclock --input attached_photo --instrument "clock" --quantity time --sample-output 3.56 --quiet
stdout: 4.50
